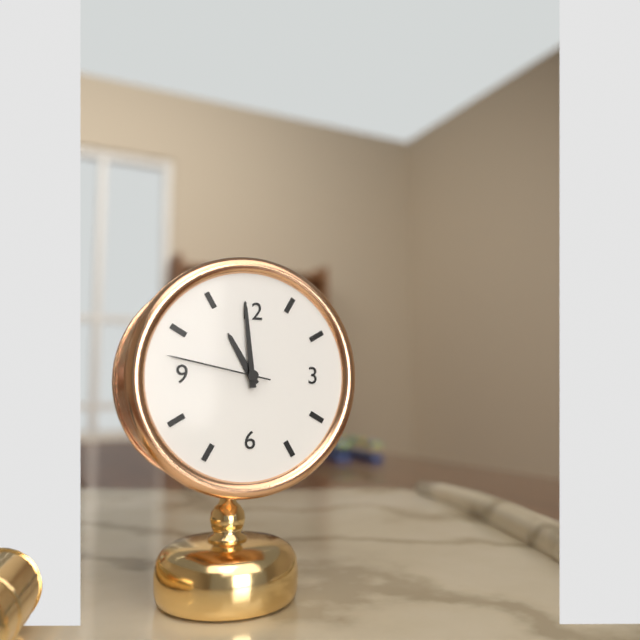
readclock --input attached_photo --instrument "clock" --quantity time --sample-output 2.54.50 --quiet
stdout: 10.59.47
